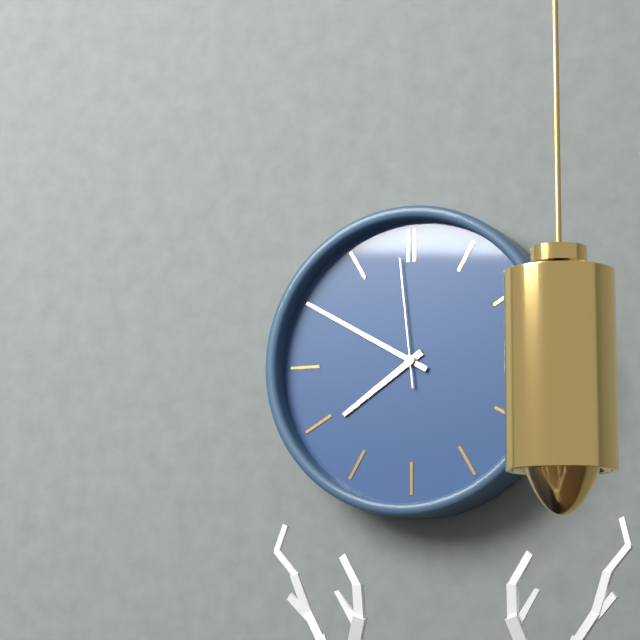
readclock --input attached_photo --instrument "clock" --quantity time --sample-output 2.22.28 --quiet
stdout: 7.50.59
